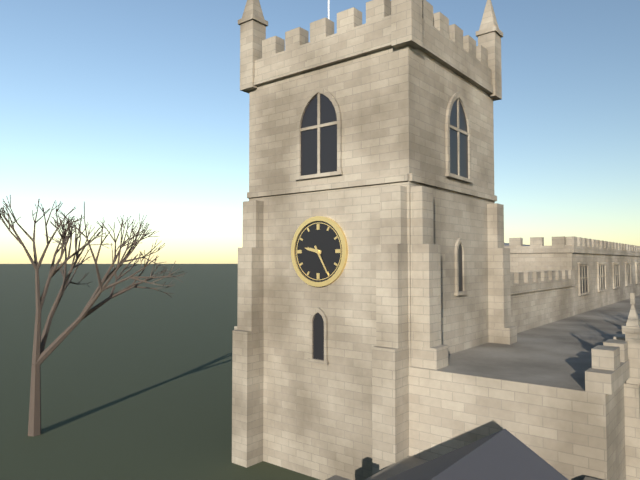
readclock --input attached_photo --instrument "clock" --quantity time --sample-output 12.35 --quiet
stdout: 9.25
